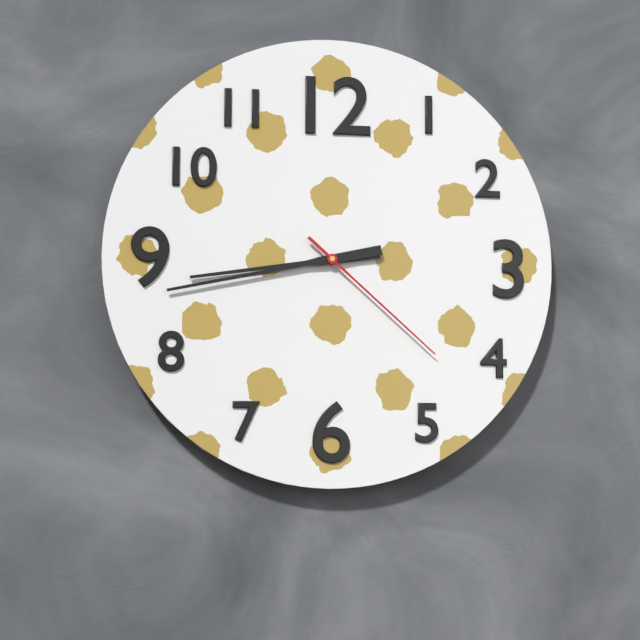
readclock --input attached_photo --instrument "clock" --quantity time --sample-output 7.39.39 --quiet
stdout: 8.43.22
